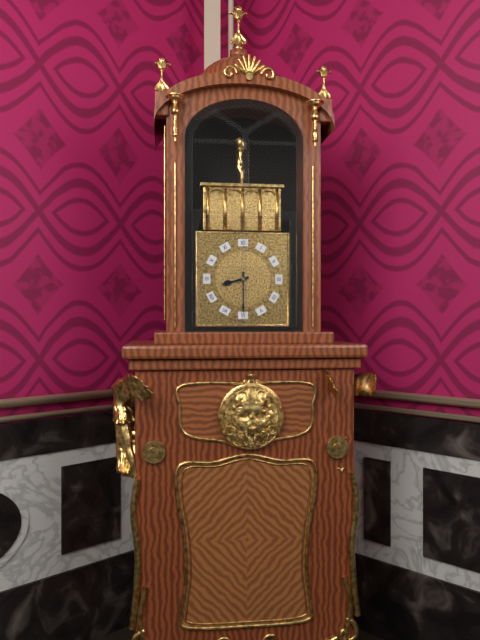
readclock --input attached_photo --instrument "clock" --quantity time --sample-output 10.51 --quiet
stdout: 8.30
